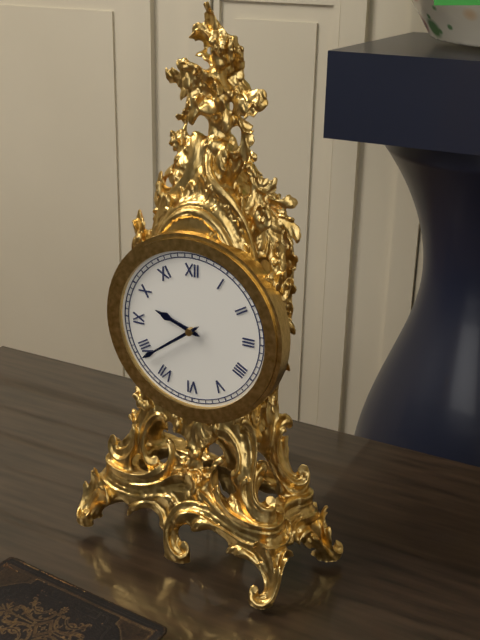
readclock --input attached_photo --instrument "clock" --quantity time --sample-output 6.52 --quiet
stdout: 9.39
